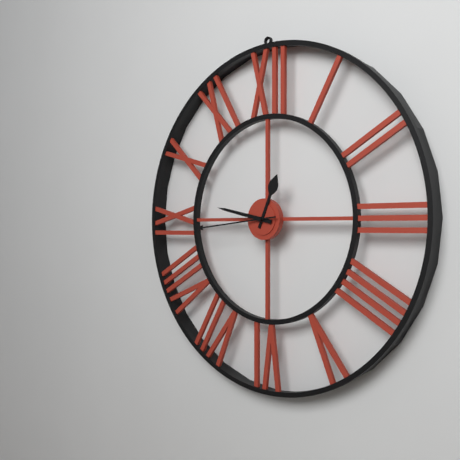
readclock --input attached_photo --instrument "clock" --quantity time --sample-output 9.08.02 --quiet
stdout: 12.47.44
